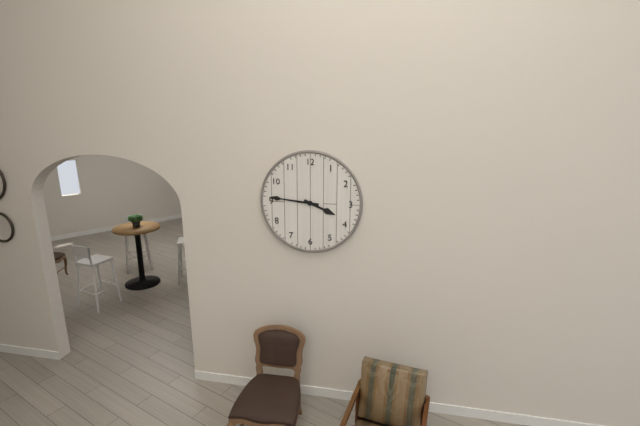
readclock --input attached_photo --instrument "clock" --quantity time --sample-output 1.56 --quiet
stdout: 3.46
